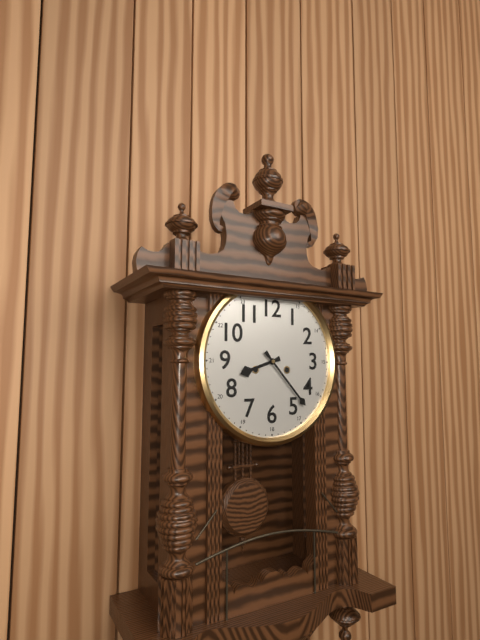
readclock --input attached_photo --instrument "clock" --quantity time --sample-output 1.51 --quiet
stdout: 8.23
